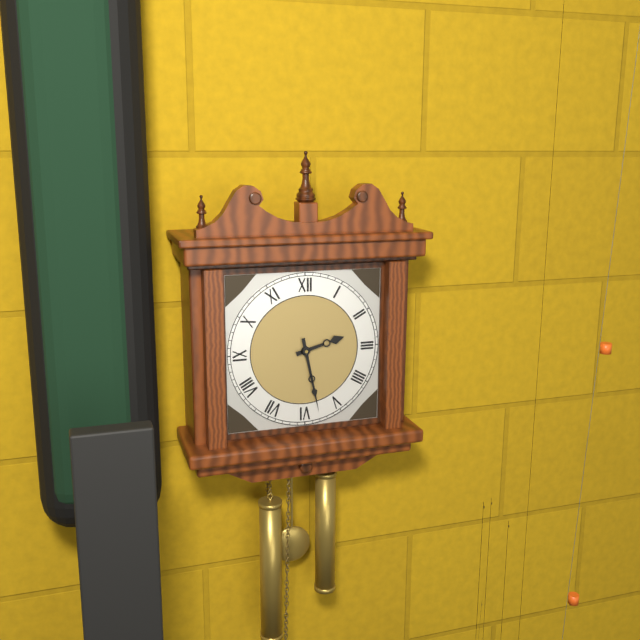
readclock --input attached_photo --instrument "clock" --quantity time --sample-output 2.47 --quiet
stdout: 2.28
